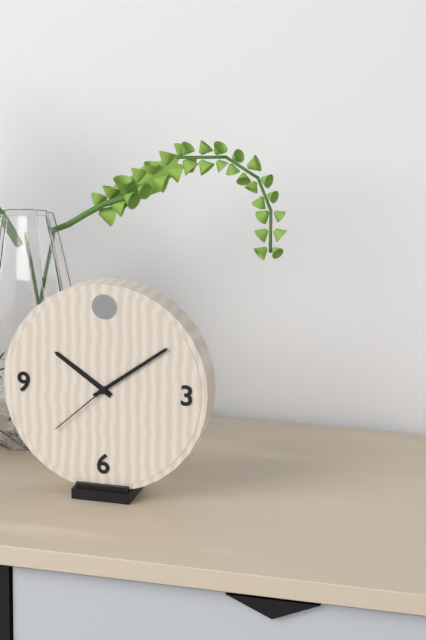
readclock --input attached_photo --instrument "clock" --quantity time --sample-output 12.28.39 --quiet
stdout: 10.09.38
